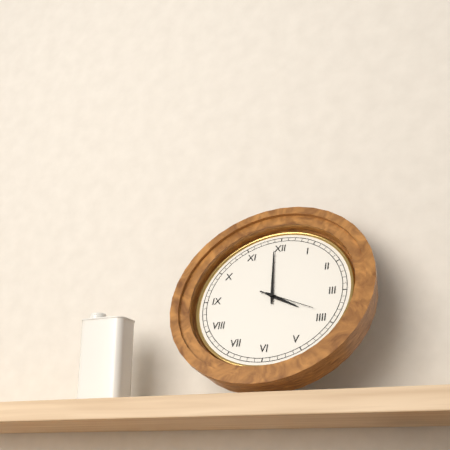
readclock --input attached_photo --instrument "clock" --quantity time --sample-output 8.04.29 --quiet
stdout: 3.59.19
